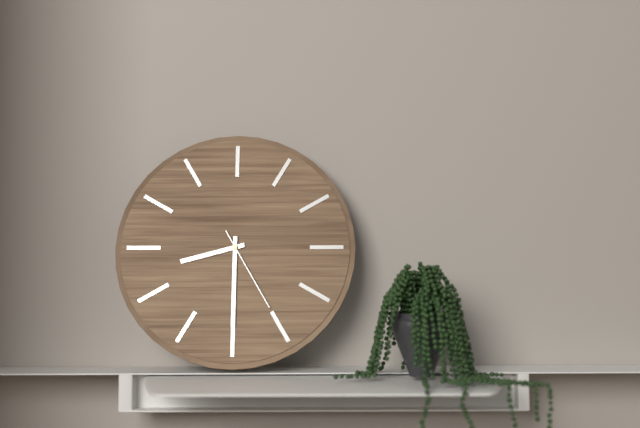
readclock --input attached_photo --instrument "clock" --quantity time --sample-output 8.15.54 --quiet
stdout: 8.30.25
